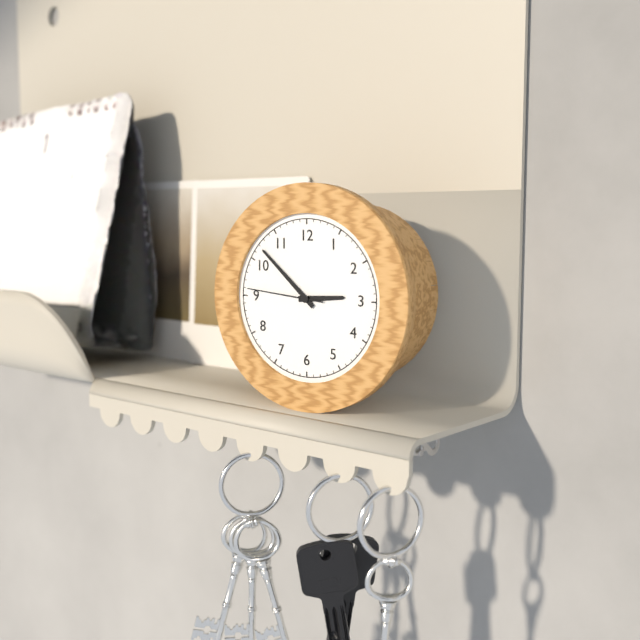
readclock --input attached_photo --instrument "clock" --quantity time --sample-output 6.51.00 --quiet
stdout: 2.52.46
